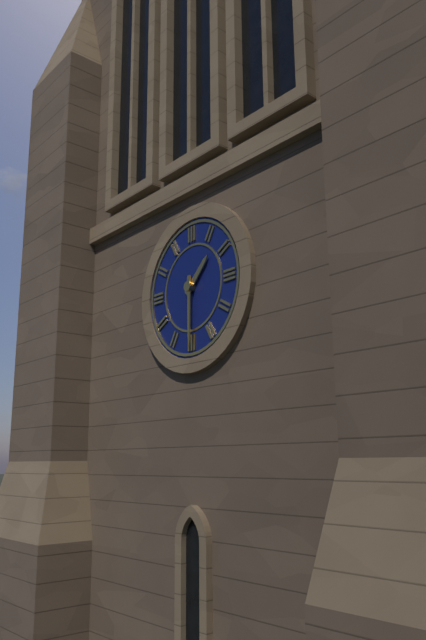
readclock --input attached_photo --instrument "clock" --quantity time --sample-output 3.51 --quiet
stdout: 1.30
